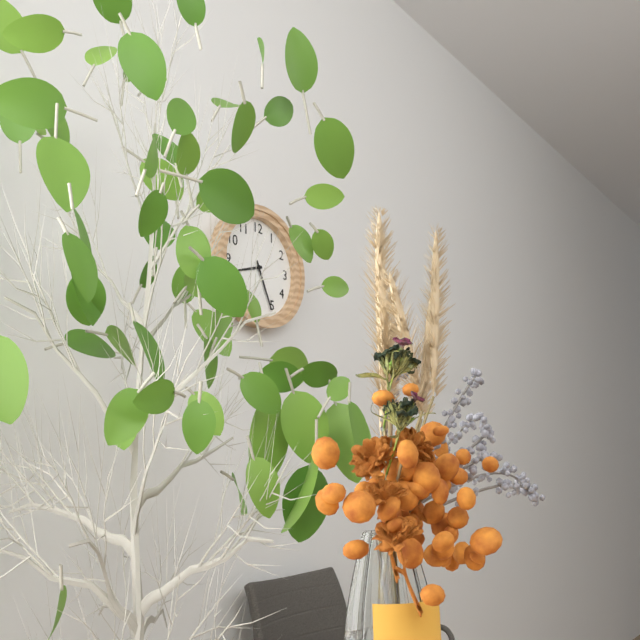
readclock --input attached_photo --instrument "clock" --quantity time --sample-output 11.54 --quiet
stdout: 8.26
